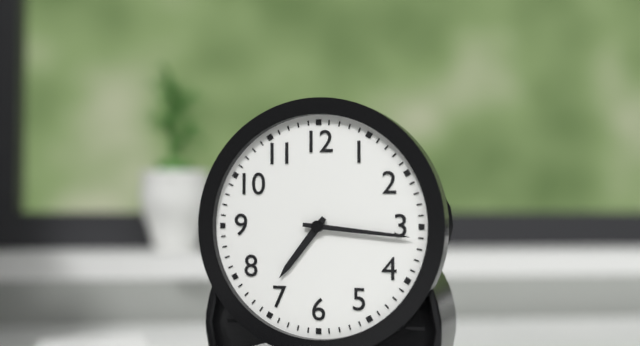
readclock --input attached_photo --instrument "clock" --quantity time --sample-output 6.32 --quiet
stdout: 7.16
